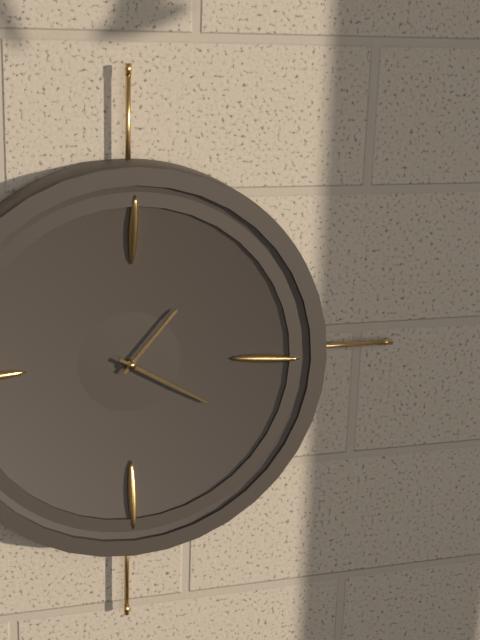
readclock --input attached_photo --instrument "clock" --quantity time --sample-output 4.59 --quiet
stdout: 1.20
